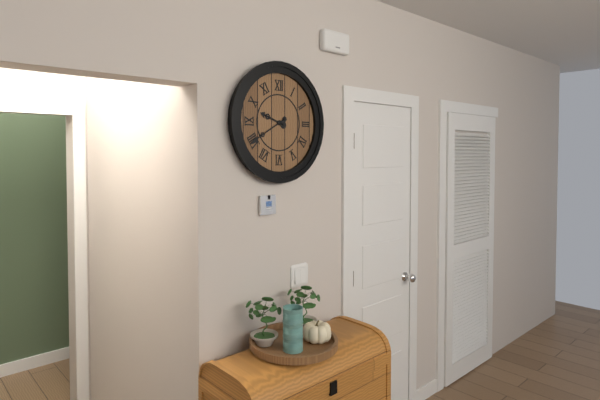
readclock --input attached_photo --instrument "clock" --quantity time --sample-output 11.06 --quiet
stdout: 9.40
